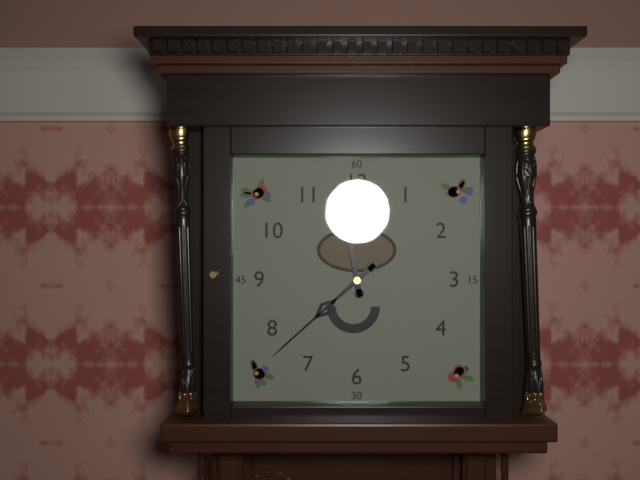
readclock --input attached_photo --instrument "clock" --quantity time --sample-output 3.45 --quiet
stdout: 11.38
